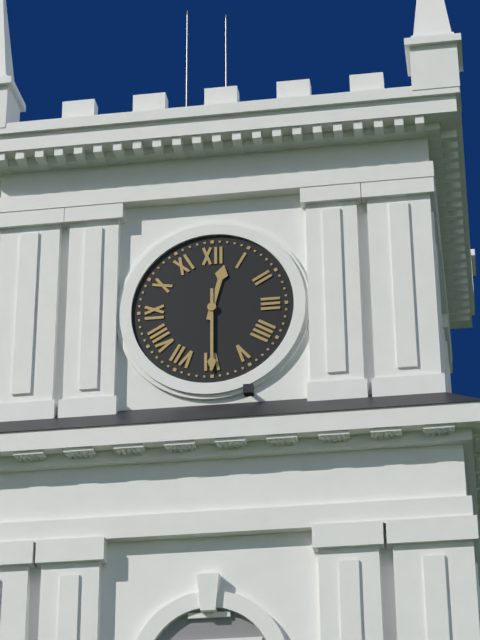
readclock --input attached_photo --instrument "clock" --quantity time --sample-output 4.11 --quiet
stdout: 12.30
